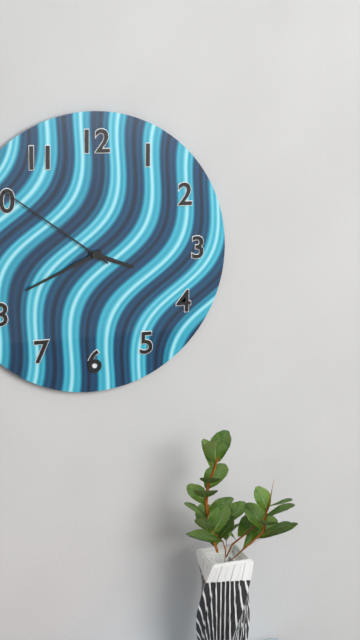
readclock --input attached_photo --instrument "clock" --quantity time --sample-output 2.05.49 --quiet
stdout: 3.41.51
